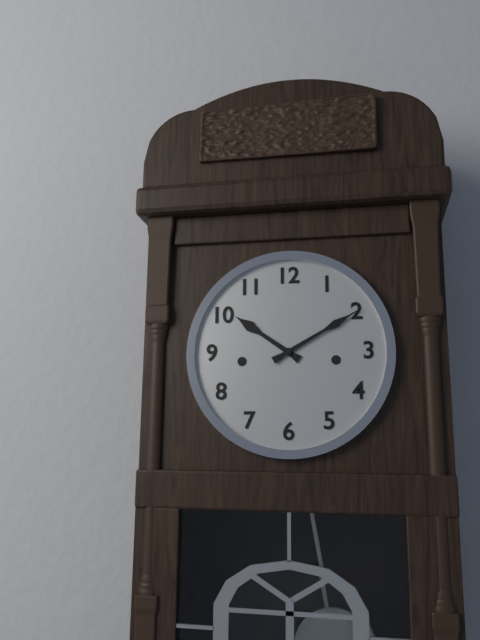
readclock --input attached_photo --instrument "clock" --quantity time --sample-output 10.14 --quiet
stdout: 10.10
